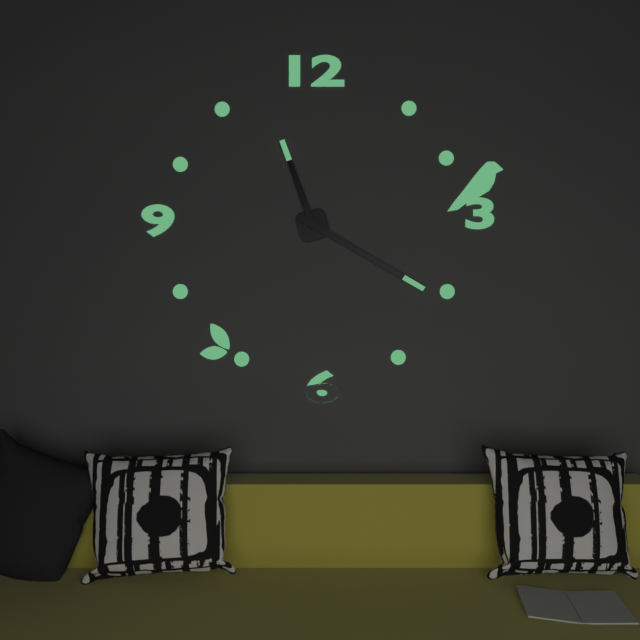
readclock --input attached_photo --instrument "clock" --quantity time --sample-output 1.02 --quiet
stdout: 11.20
